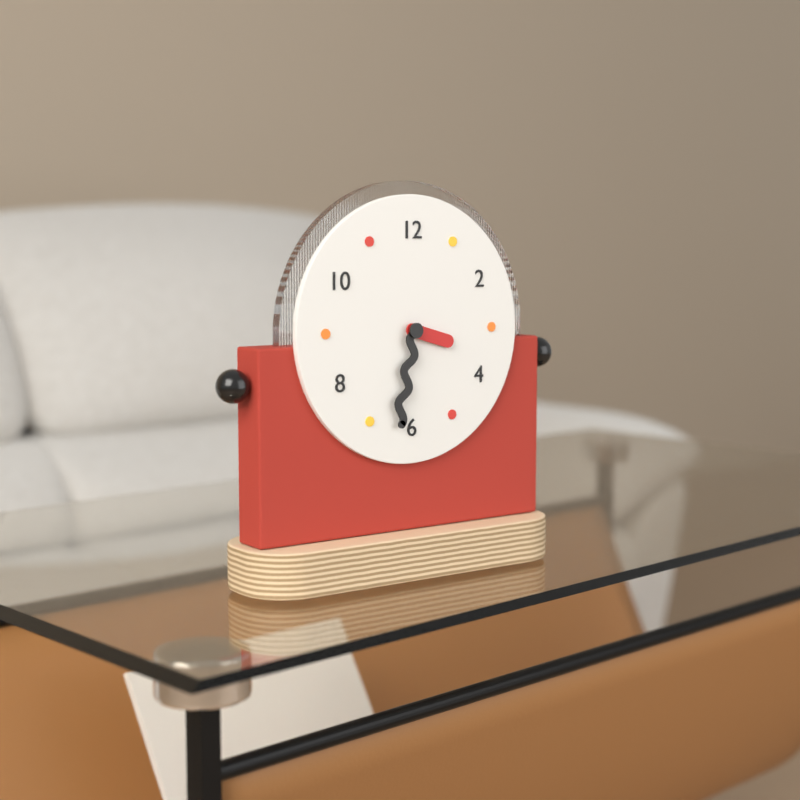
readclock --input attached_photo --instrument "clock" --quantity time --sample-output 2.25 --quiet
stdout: 3.32
